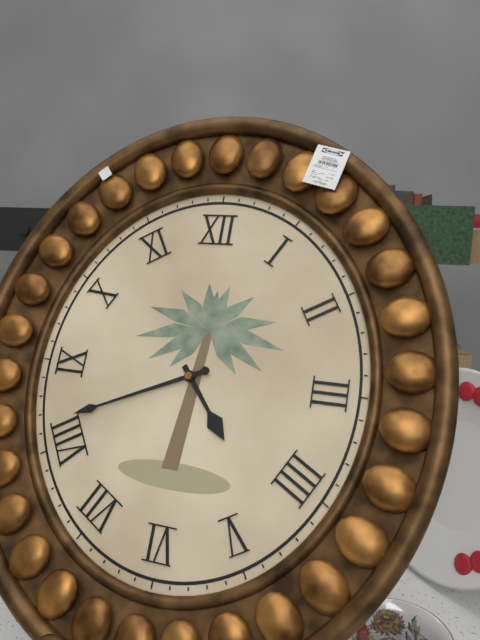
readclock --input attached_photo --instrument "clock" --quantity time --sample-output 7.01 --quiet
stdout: 4.41
